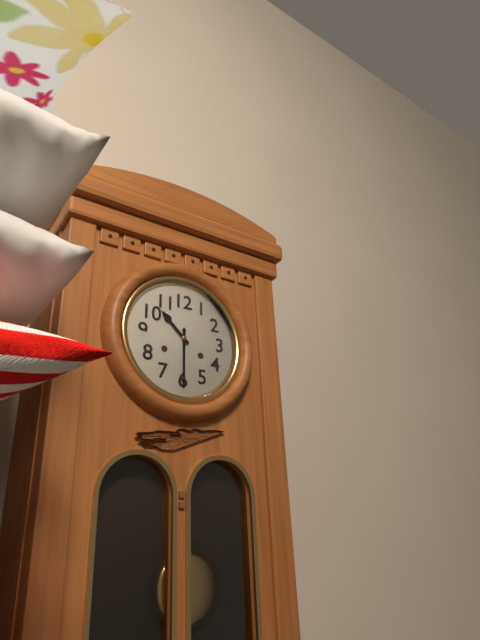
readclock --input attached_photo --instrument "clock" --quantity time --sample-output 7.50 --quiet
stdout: 10.30
